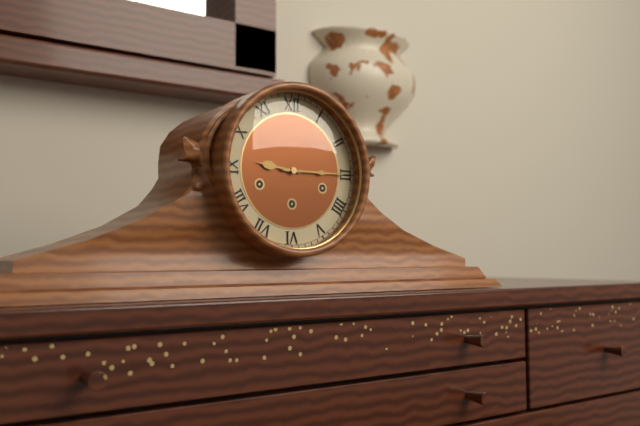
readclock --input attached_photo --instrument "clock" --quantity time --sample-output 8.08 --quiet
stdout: 9.15
